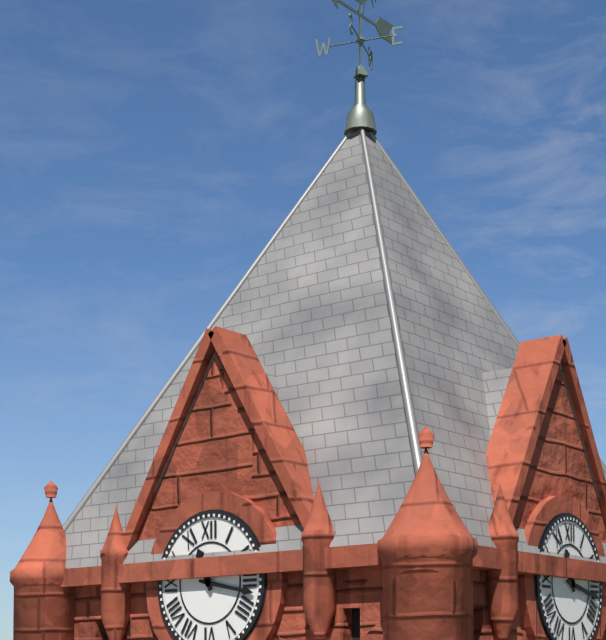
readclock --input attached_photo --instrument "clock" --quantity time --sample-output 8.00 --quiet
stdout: 11.17
